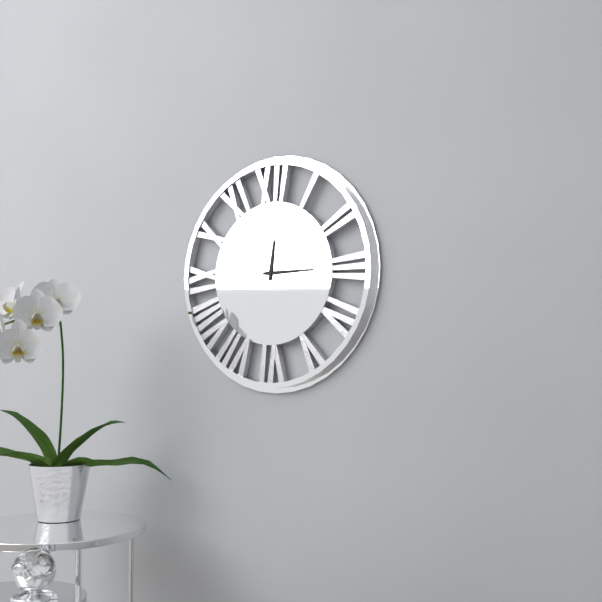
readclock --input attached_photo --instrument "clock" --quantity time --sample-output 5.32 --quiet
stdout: 12.15
